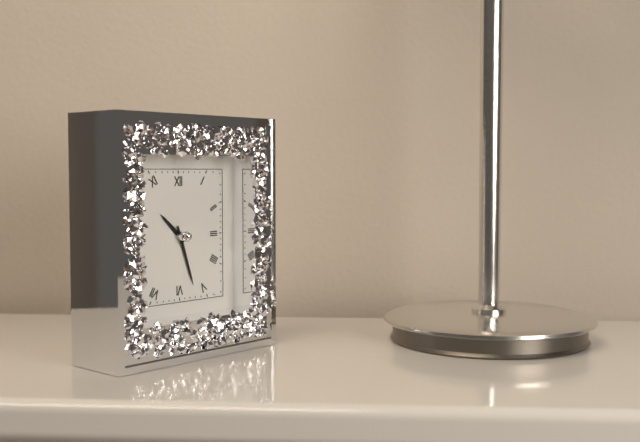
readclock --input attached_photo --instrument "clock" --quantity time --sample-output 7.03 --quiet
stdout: 10.27
